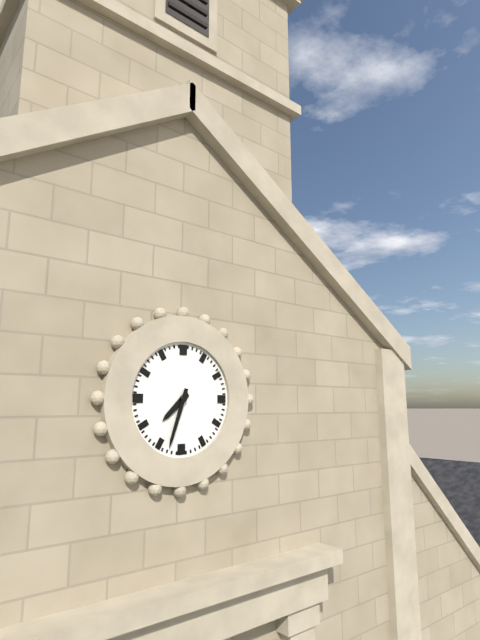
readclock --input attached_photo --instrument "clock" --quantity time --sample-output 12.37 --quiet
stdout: 7.33
